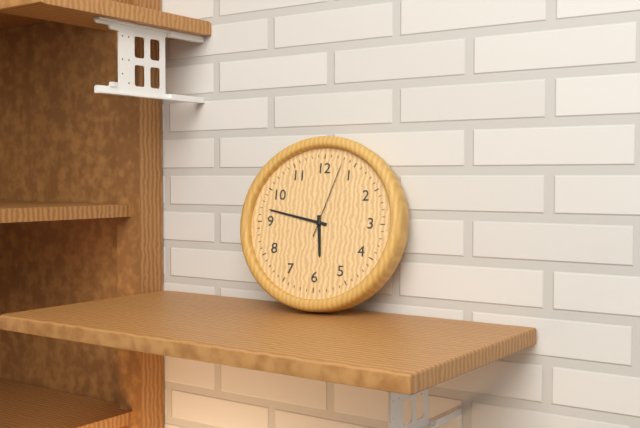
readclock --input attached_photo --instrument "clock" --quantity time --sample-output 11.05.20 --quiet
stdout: 5.47.03
